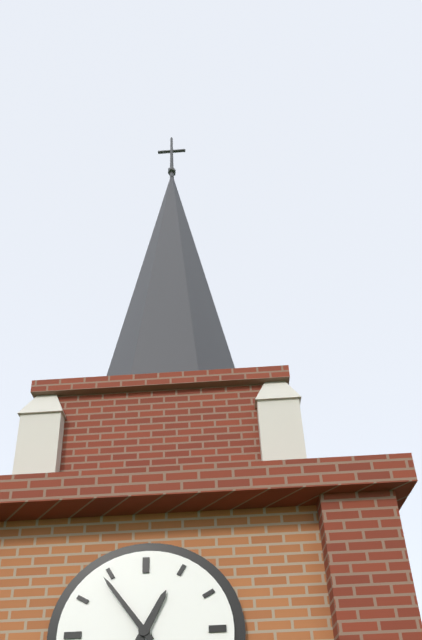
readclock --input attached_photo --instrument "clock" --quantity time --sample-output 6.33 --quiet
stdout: 12.54
